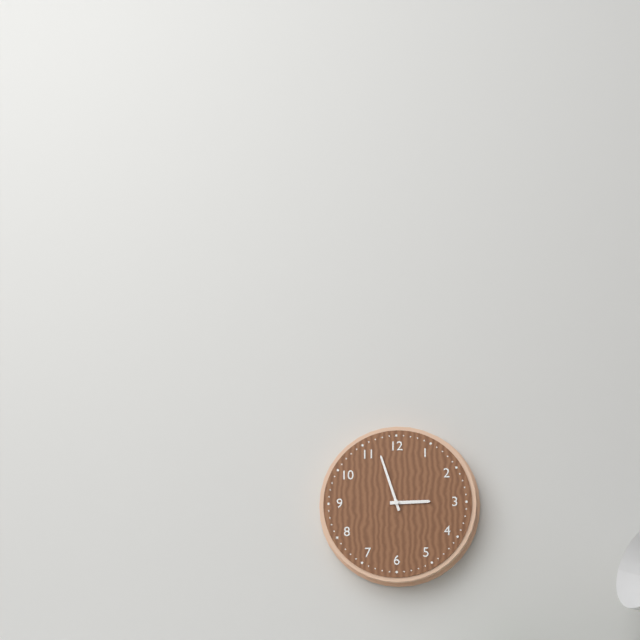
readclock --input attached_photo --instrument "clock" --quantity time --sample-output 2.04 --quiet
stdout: 2.57
